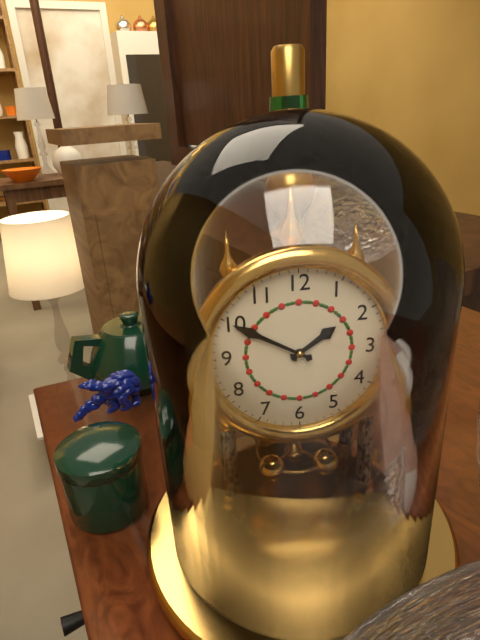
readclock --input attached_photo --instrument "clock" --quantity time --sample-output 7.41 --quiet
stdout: 1.50
